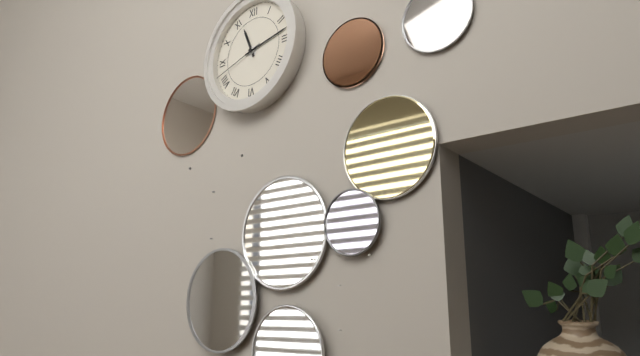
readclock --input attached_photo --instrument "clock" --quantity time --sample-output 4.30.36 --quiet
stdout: 11.13.42
